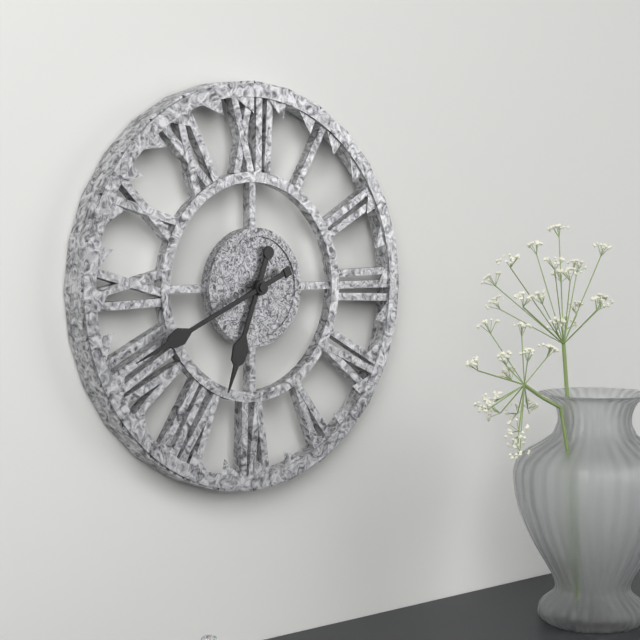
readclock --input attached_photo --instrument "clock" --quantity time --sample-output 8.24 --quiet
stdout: 6.41
